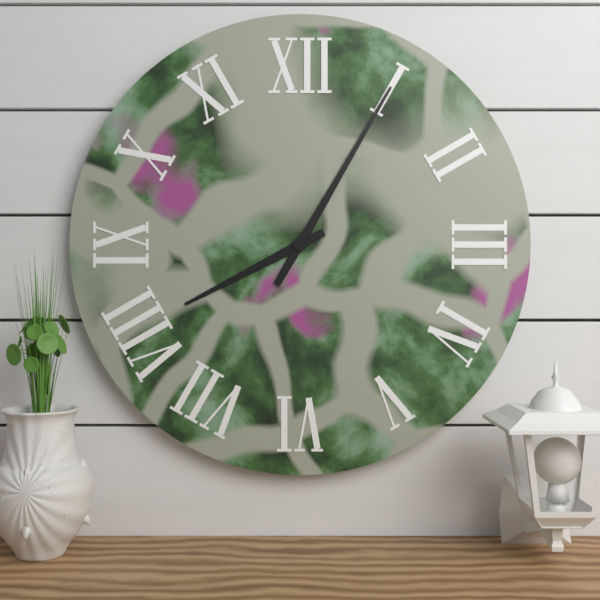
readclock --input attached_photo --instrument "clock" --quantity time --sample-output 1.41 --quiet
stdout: 8.05
